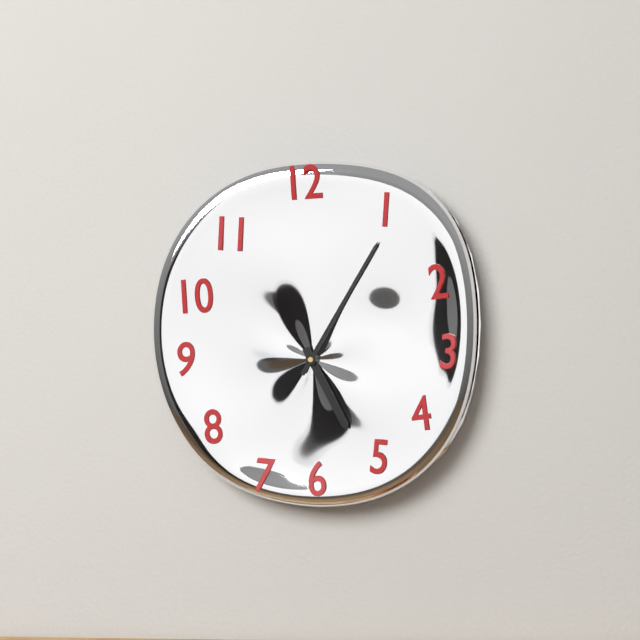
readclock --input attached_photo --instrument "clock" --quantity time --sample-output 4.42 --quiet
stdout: 5.05
